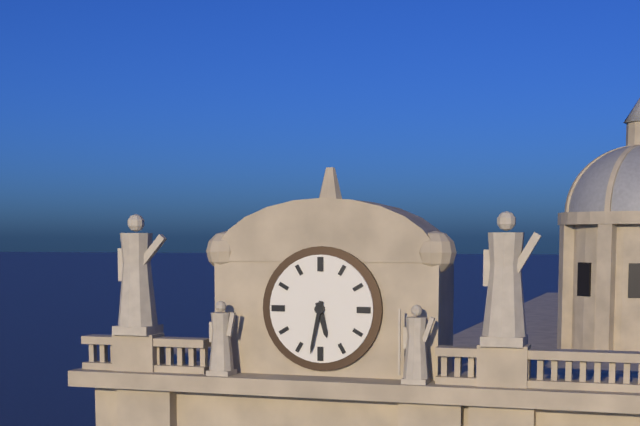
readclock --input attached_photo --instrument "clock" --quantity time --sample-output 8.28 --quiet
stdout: 5.32
